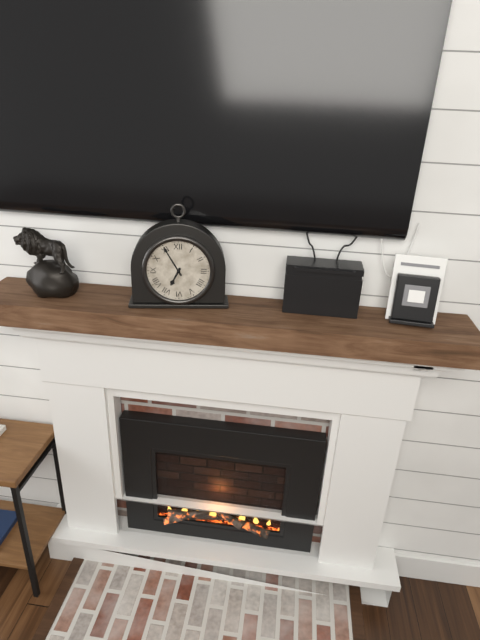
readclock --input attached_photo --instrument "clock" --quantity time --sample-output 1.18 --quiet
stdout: 6.55
